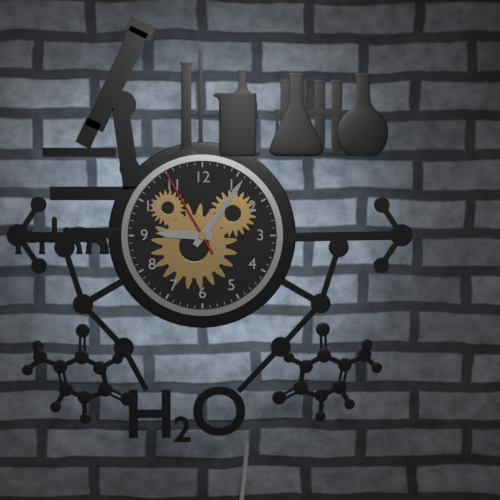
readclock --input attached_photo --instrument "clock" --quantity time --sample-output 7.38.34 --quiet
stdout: 9.06.55
